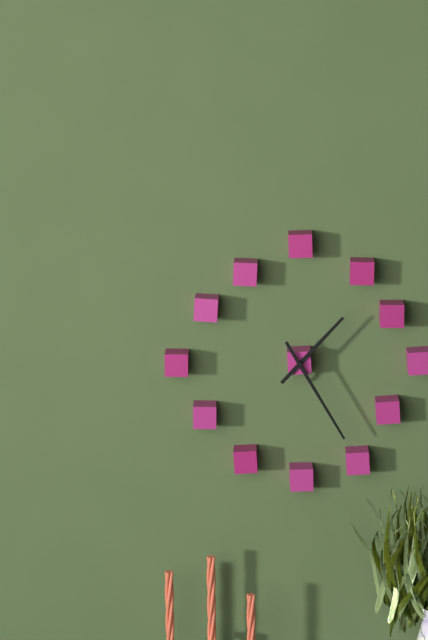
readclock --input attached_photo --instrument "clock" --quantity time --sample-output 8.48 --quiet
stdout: 1.25
